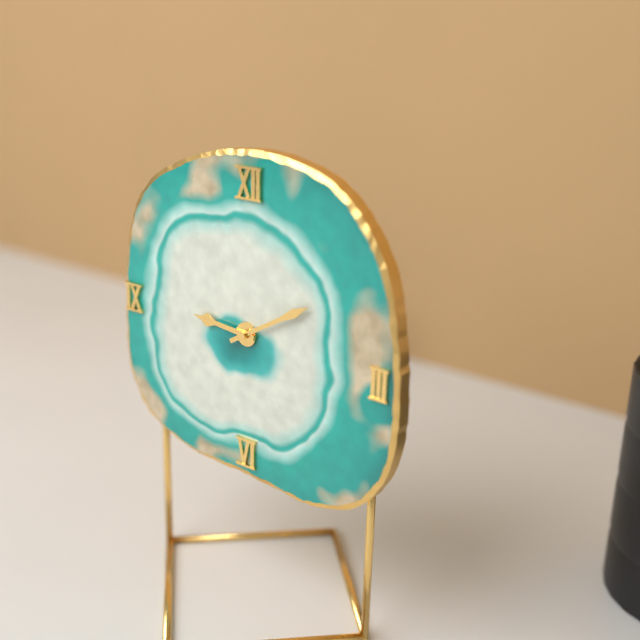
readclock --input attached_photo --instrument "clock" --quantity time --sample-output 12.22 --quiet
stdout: 9.10
